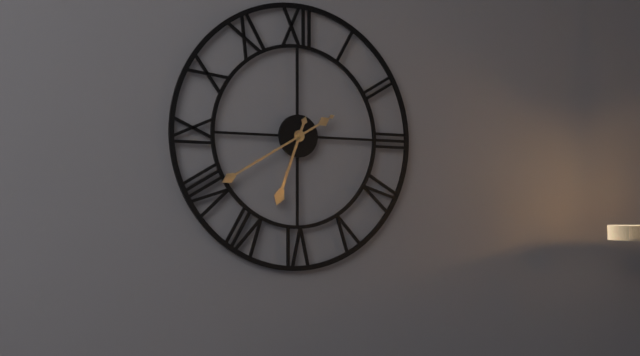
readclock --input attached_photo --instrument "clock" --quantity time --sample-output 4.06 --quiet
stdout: 6.40
